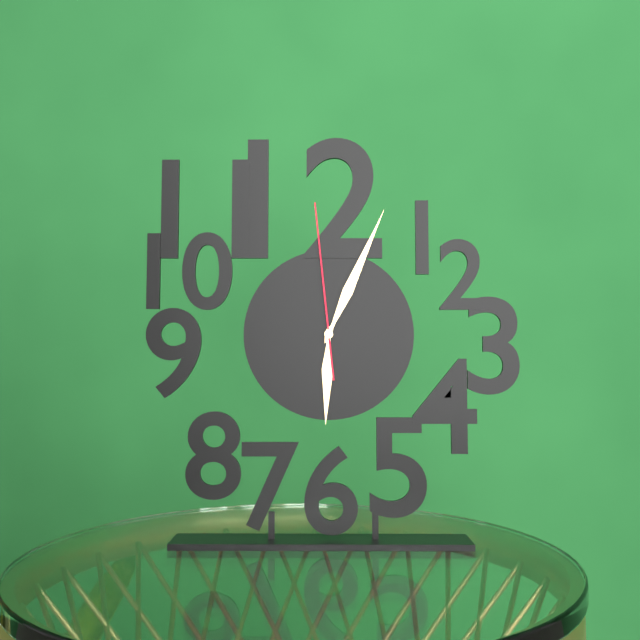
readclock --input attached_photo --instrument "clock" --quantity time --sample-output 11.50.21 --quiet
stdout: 6.04.59
